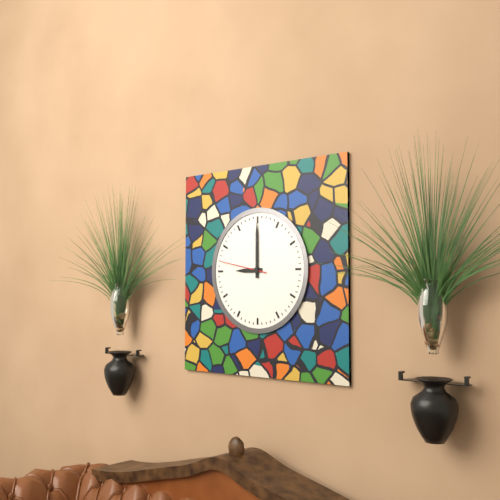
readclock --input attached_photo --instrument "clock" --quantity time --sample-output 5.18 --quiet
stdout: 9.00
